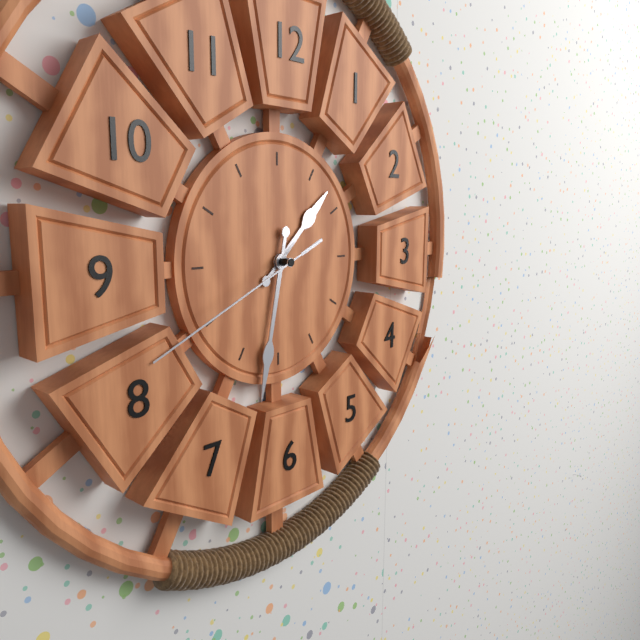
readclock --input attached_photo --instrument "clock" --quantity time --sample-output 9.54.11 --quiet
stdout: 1.32.41
